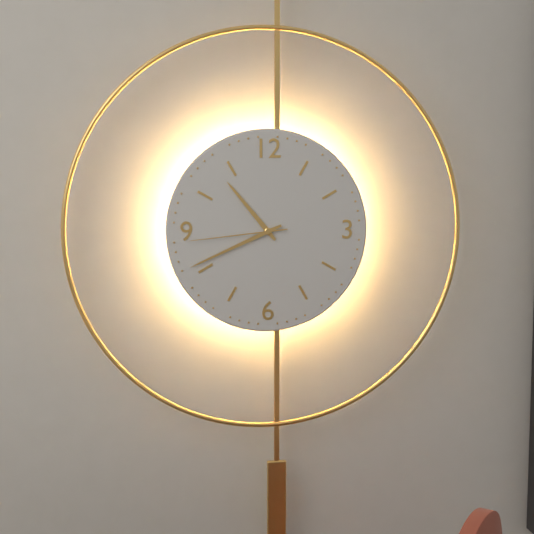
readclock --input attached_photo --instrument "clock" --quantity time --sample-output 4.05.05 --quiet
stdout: 10.41.44
